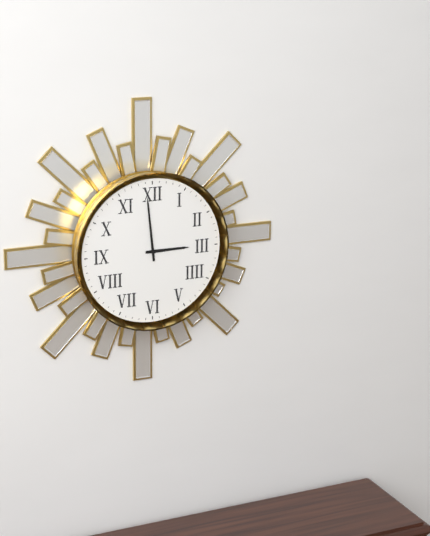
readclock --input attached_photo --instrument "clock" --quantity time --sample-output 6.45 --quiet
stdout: 2.59
